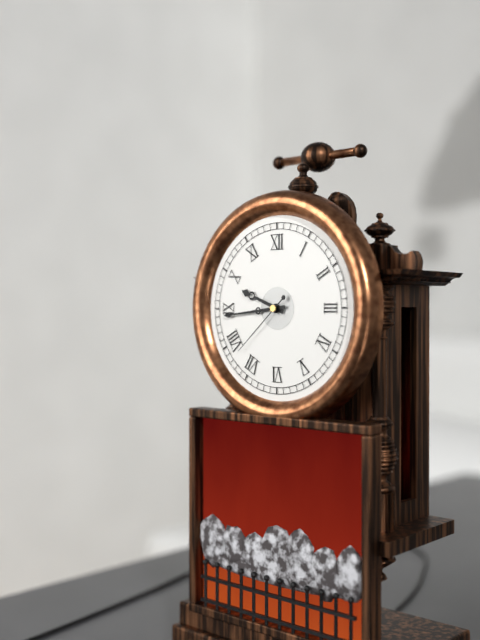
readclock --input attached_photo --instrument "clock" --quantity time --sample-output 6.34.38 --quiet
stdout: 9.44.38
